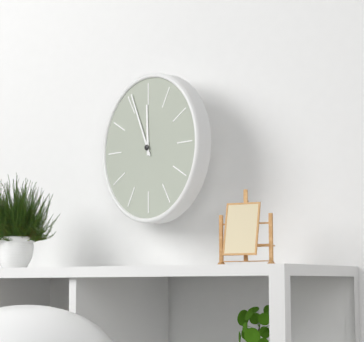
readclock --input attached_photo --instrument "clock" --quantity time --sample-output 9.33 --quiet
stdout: 11.56
